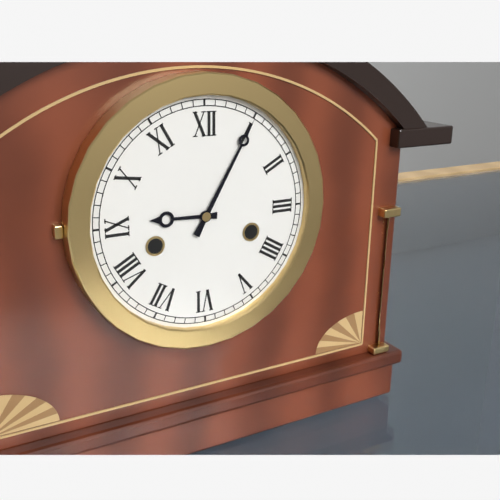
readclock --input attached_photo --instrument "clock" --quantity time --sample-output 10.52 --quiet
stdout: 9.05
